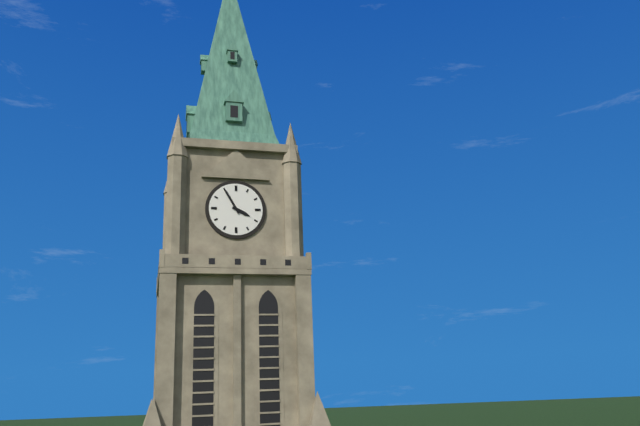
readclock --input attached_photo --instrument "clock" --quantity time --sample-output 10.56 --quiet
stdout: 3.55
